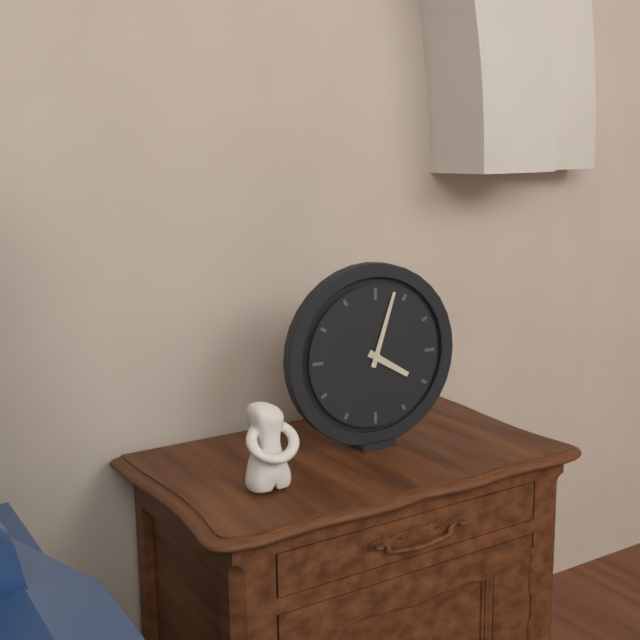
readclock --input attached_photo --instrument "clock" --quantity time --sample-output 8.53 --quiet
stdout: 4.03
